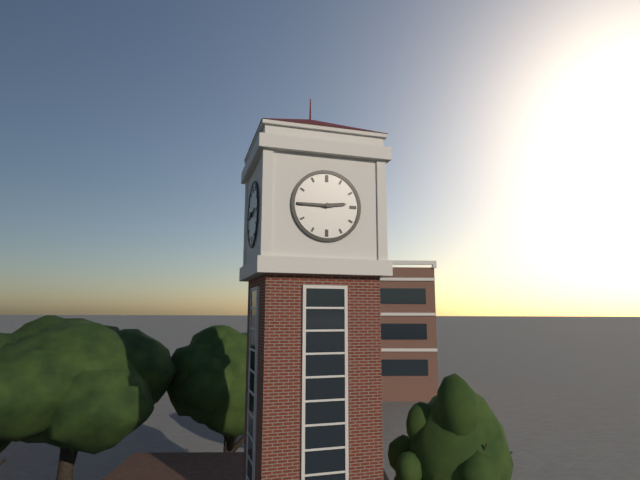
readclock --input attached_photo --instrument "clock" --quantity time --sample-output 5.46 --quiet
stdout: 2.45
